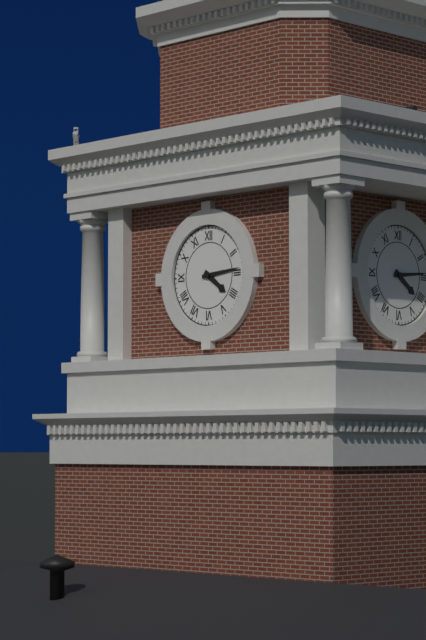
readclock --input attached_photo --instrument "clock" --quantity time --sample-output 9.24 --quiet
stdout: 4.14
